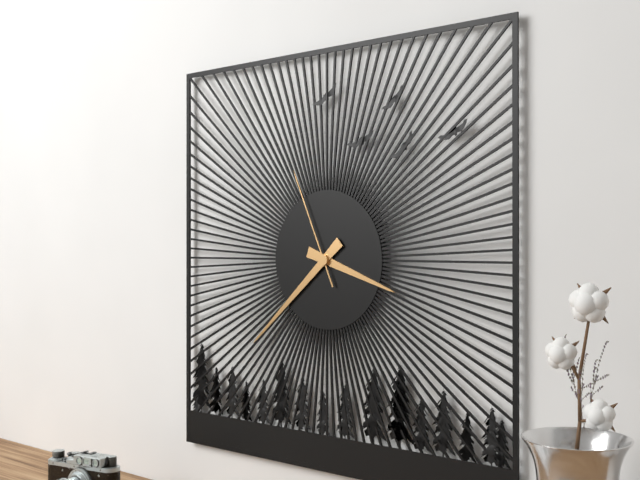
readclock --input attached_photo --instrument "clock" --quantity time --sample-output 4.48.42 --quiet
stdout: 3.38.56
